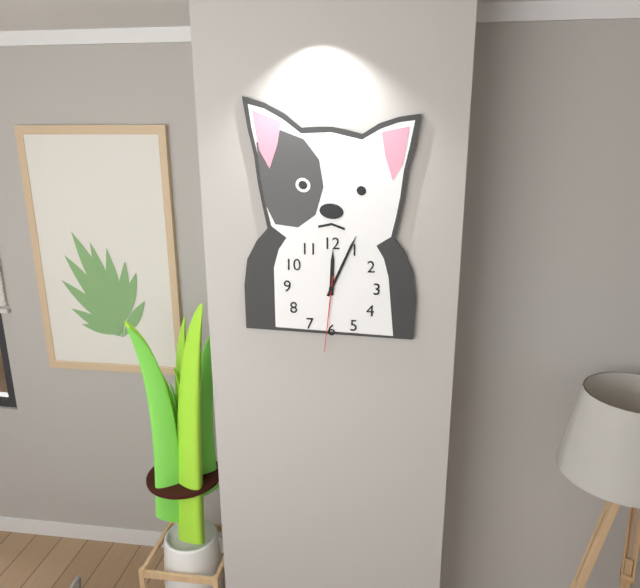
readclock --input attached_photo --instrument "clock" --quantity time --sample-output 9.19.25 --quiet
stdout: 12.04.31
